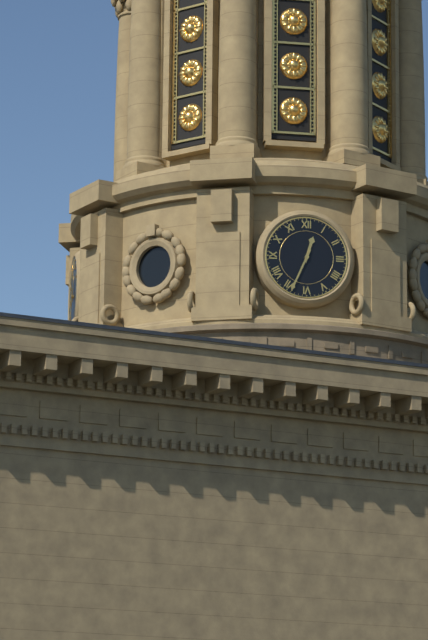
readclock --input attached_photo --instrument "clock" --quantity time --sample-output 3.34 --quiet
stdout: 12.34
